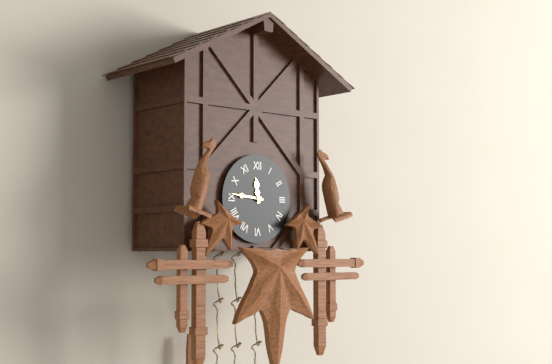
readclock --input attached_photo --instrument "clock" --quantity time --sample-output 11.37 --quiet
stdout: 11.46
